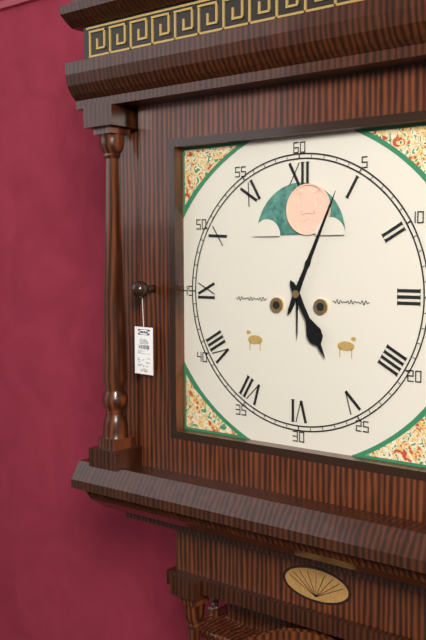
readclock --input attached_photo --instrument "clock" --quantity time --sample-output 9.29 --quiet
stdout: 5.04
